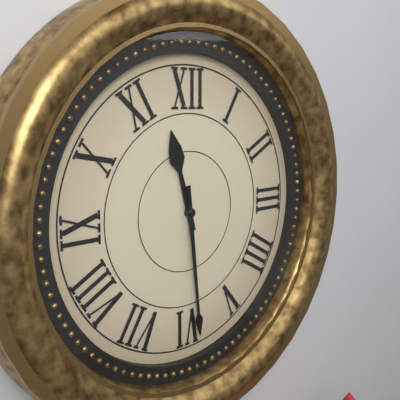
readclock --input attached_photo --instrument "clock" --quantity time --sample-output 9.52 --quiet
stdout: 11.29
